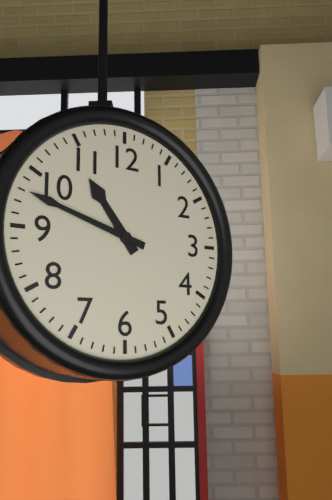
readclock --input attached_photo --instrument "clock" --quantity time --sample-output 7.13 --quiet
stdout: 10.48
